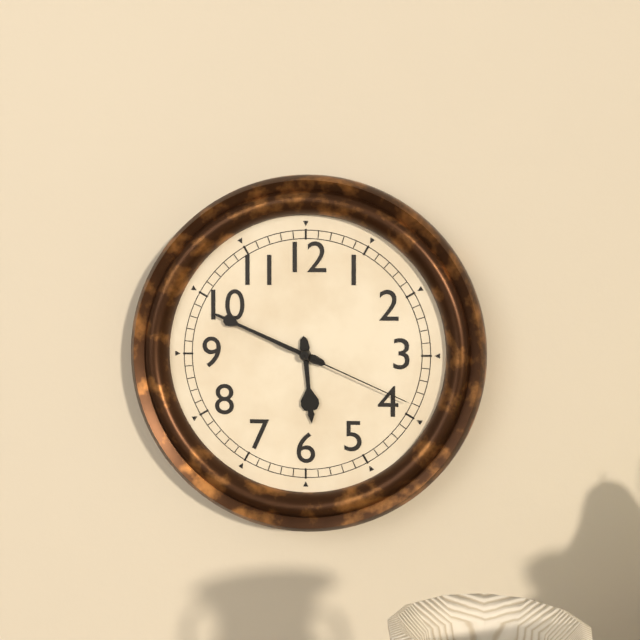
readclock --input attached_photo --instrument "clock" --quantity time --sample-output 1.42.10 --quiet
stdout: 5.49.19
